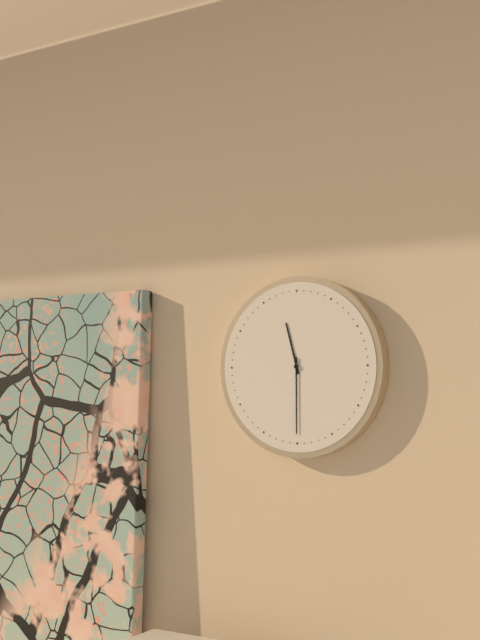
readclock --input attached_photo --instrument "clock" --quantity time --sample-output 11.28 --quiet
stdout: 11.30
